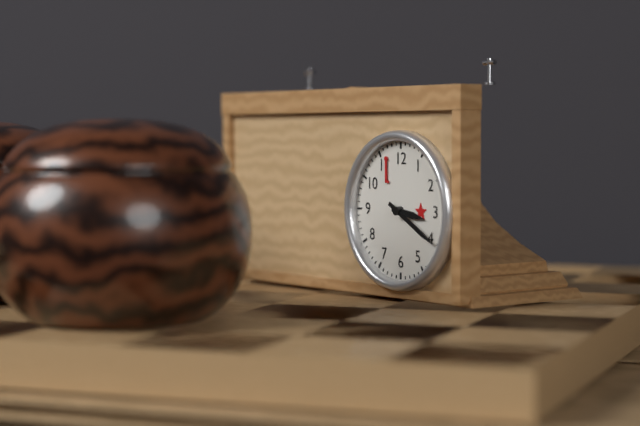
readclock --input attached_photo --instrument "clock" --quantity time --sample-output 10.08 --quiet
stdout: 3.20
